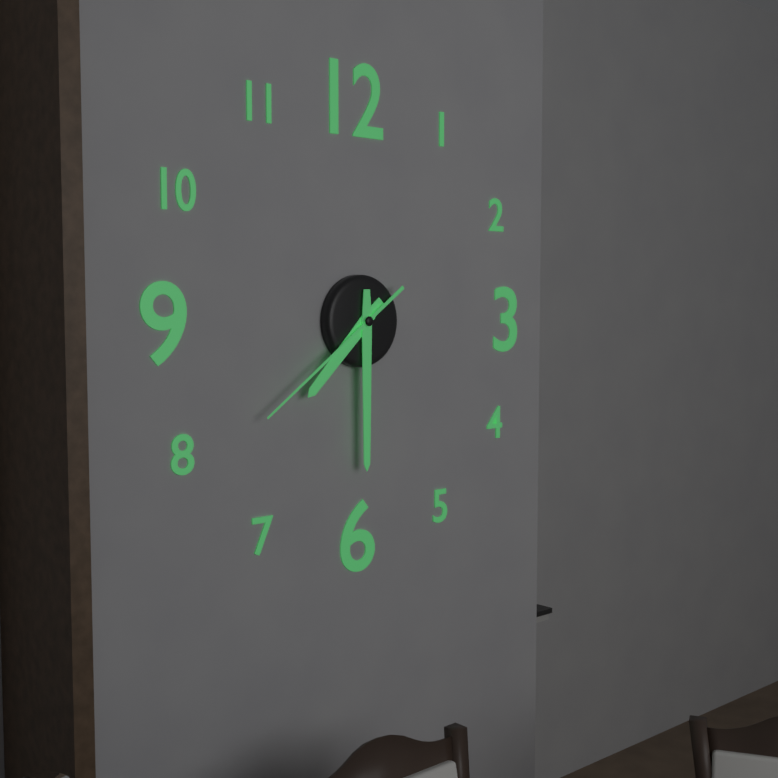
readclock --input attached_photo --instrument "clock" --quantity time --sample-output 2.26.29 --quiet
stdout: 7.30.39
